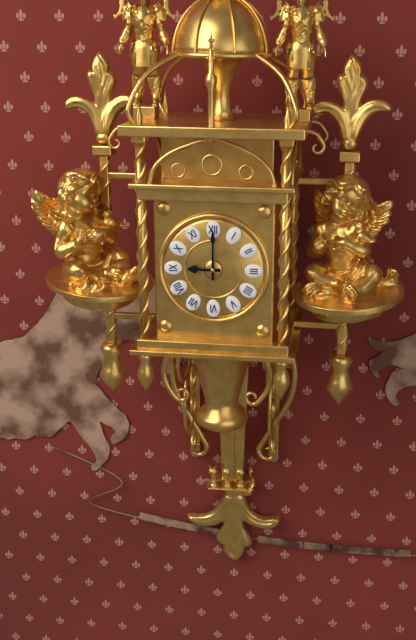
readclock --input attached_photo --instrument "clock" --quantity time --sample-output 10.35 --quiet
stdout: 9.00
